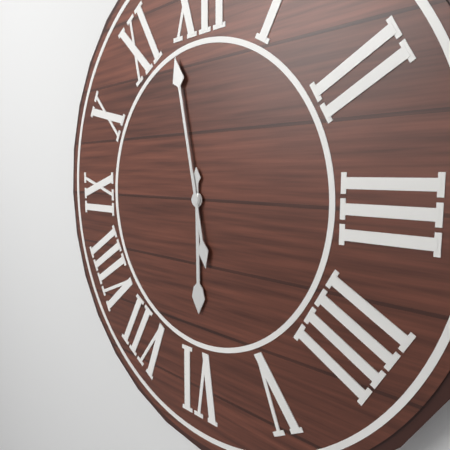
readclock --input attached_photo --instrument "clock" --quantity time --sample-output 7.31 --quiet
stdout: 5.58
